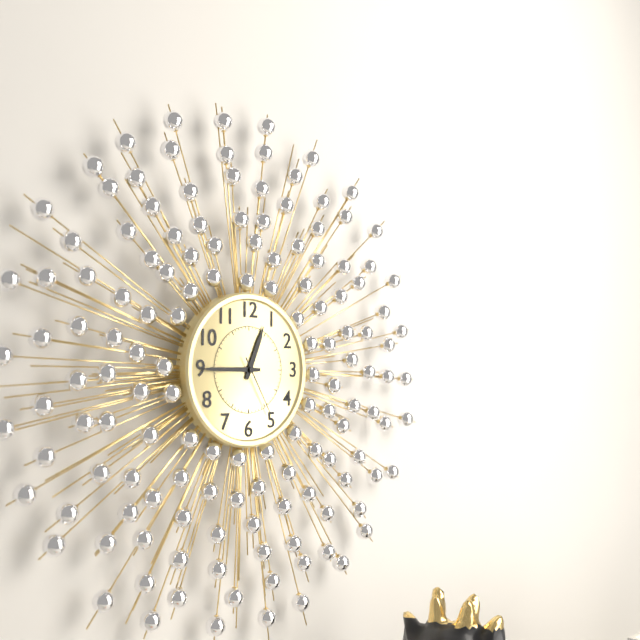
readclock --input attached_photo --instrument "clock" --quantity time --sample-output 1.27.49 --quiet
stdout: 12.45.25
